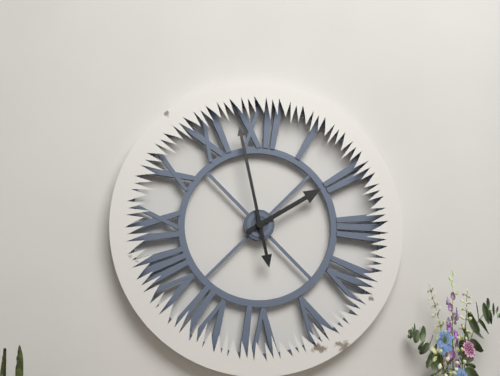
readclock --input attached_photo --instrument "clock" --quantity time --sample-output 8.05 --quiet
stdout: 1.58
